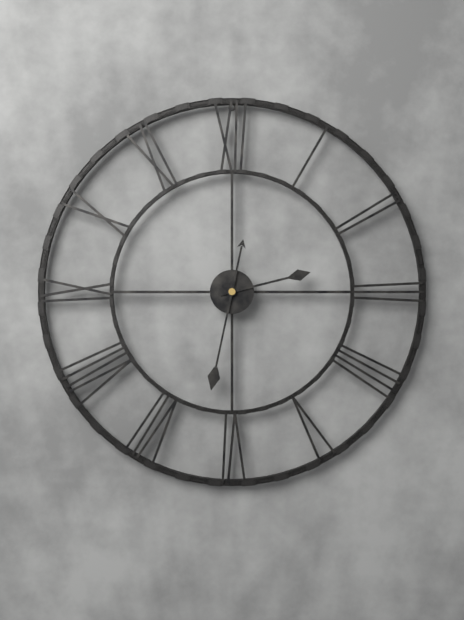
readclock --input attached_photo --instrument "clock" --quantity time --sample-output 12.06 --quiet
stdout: 2.32
